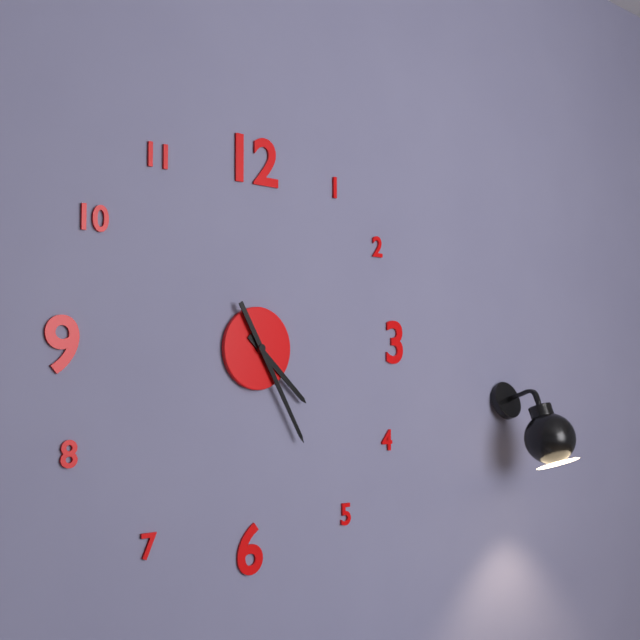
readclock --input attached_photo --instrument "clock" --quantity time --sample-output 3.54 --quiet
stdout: 4.25
